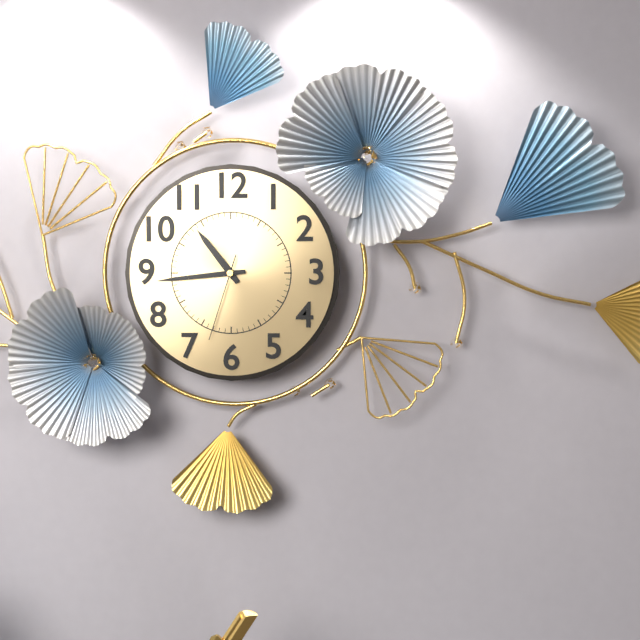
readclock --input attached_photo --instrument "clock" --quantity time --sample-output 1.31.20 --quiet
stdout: 10.44.33
